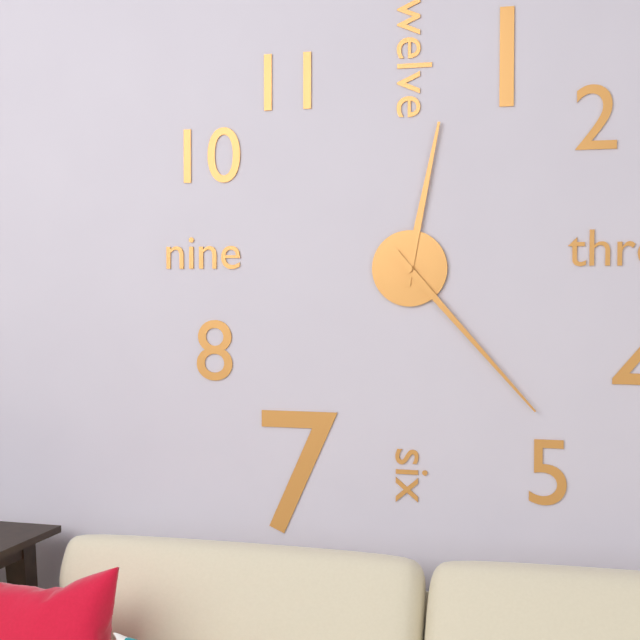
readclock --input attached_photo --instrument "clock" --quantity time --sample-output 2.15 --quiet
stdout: 12.23
